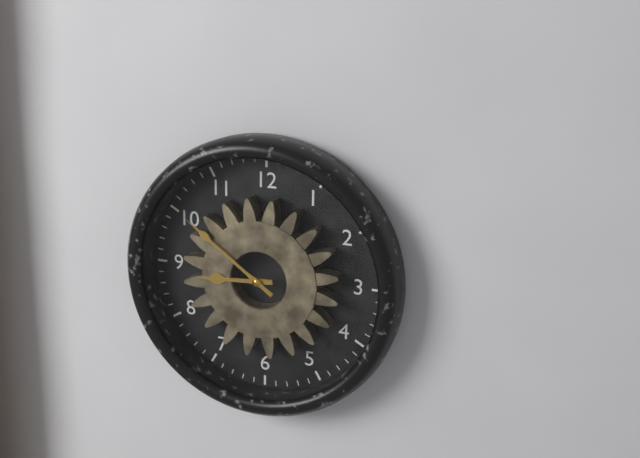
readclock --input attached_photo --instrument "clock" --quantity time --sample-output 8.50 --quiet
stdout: 8.51
